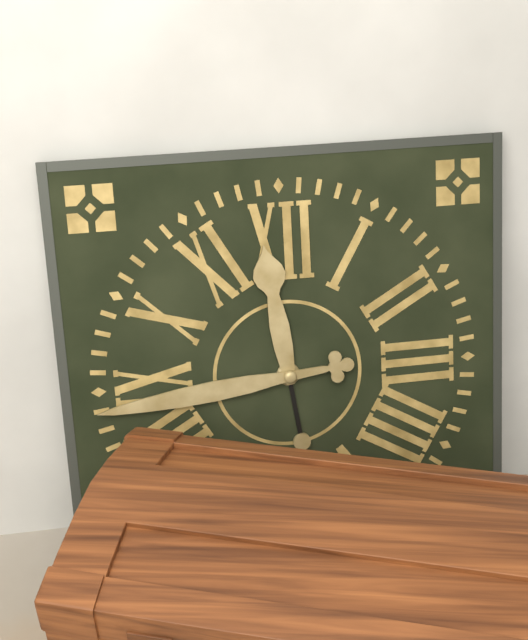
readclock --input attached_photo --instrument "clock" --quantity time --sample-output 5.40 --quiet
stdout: 11.44
